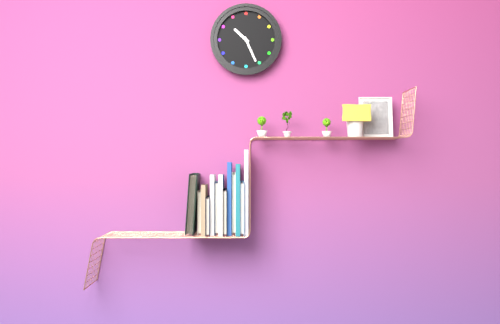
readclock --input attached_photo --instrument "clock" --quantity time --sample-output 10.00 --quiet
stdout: 10.26
